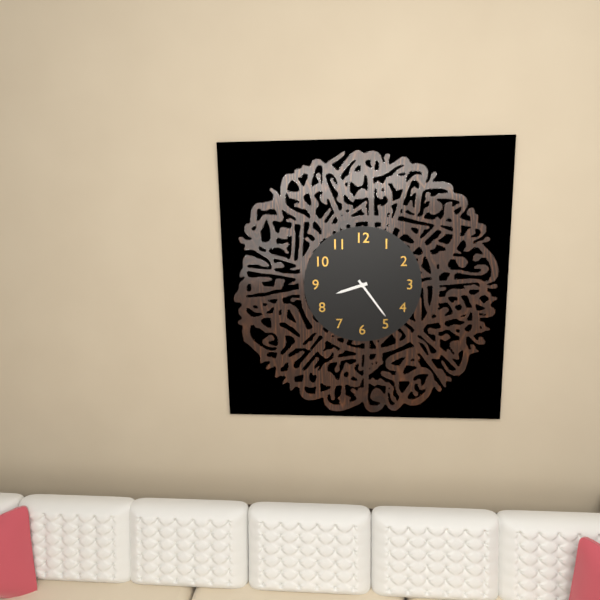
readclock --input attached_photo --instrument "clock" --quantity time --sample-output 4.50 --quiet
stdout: 8.24
